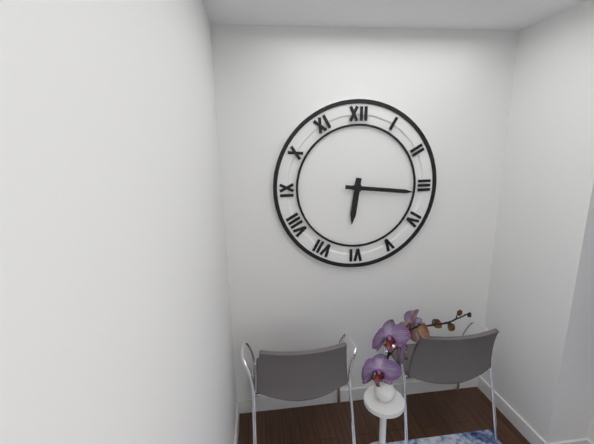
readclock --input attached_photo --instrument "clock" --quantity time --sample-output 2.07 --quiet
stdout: 6.16
